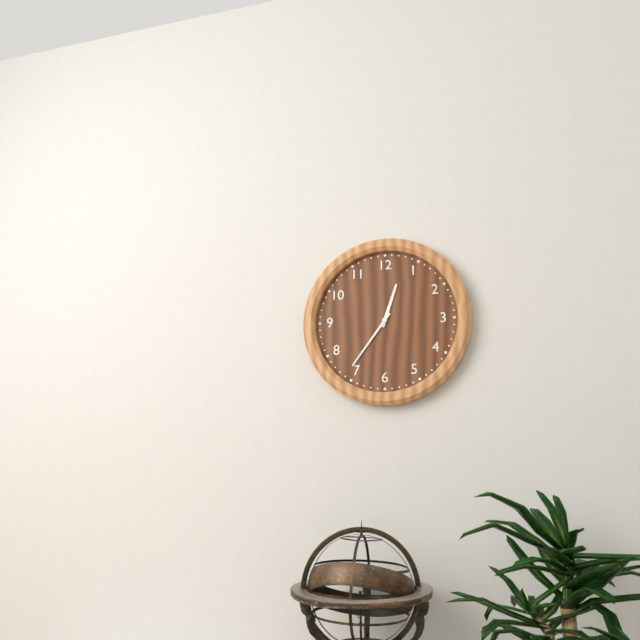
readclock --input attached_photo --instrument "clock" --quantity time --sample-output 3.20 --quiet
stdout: 12.36
